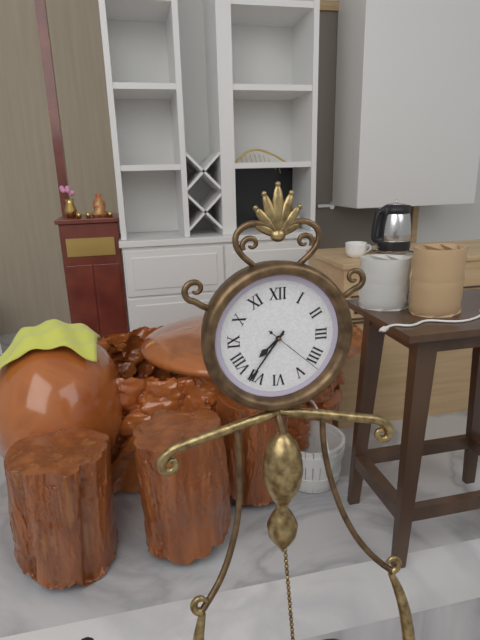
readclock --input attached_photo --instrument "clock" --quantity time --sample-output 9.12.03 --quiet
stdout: 7.36.22
